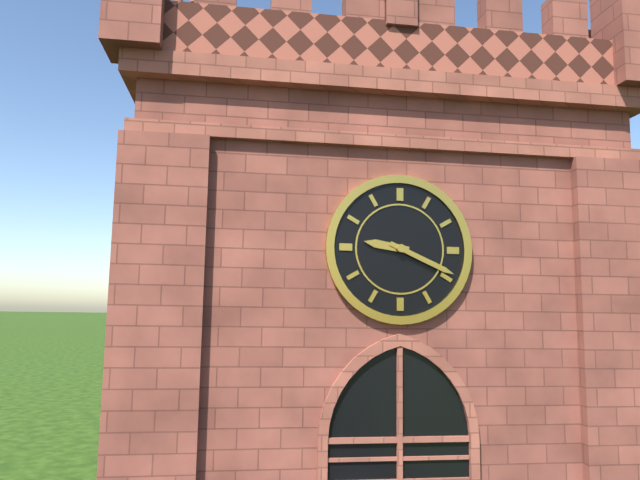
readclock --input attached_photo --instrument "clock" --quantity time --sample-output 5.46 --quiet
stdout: 9.19
